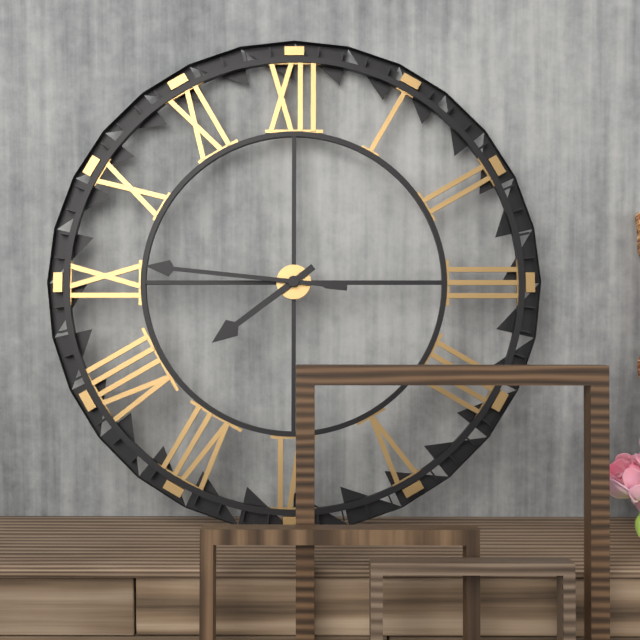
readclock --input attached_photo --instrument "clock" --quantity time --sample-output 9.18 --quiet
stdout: 7.46
